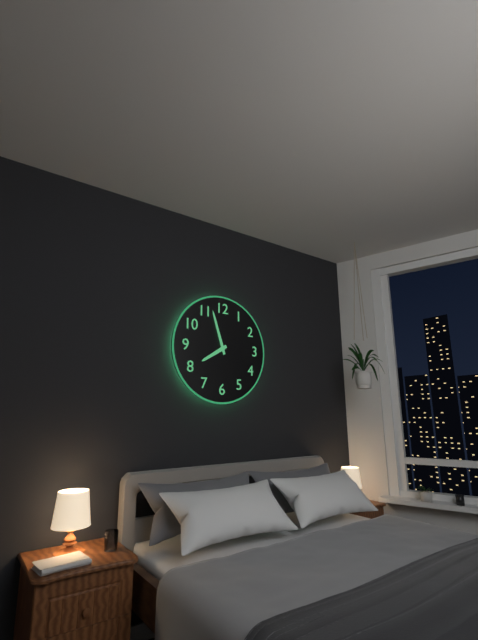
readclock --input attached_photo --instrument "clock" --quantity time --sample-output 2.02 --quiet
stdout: 7.57
